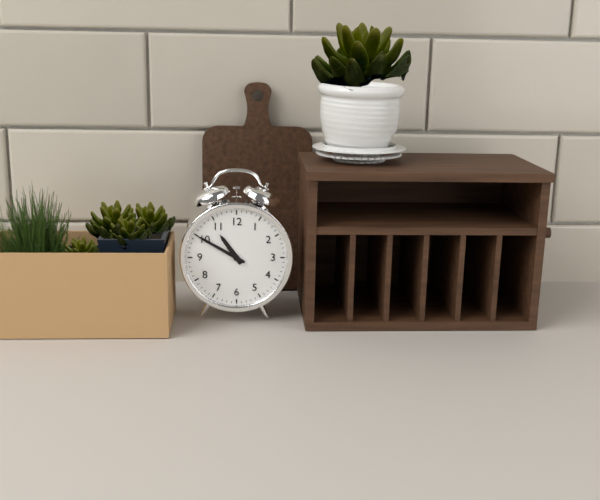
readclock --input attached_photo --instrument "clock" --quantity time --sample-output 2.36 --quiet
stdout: 10.50
